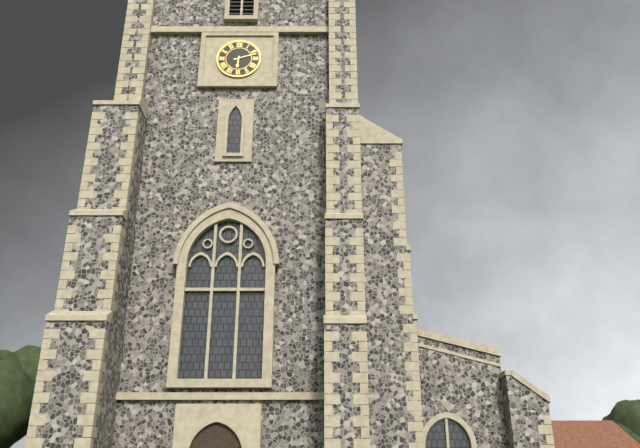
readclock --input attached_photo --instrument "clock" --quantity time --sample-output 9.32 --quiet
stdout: 6.12
